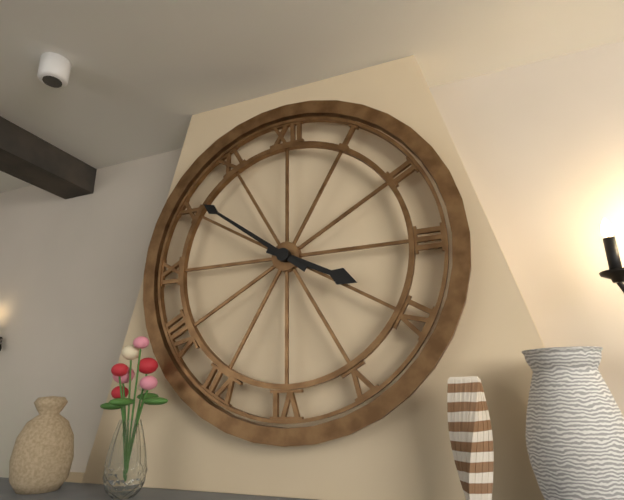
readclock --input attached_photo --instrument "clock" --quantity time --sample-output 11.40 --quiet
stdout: 3.51
